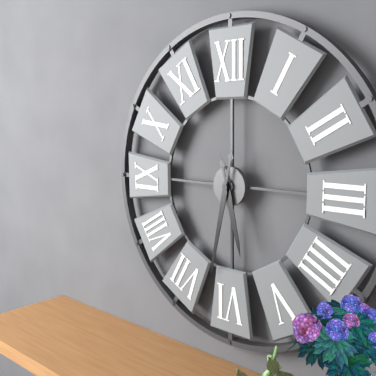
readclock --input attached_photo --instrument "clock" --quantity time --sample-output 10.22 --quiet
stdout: 5.32
